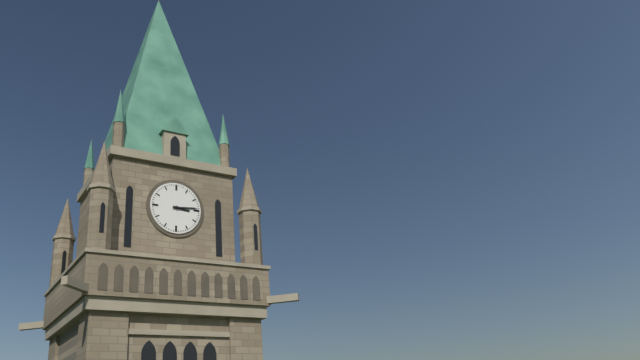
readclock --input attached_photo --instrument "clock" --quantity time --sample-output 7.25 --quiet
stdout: 3.14
